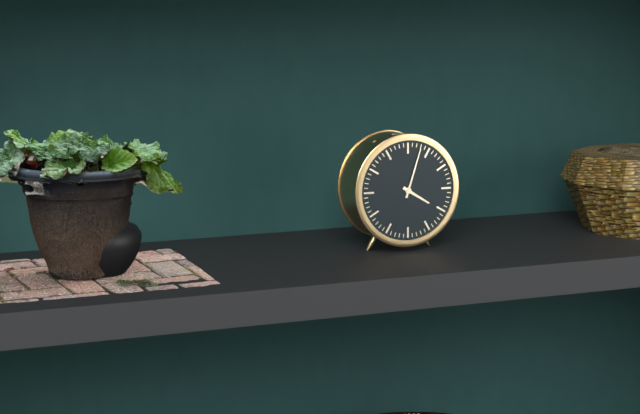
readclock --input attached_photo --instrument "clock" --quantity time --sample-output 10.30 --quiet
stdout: 4.03
